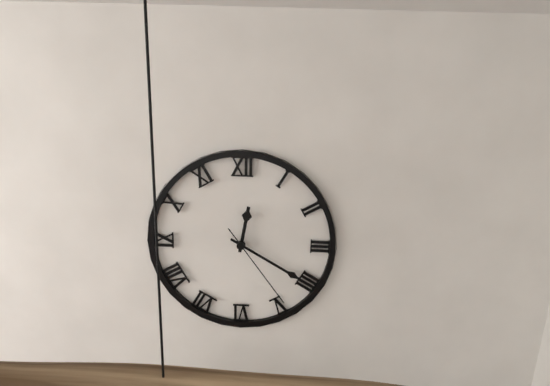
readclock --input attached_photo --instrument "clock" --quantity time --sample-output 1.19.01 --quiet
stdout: 12.20.24
